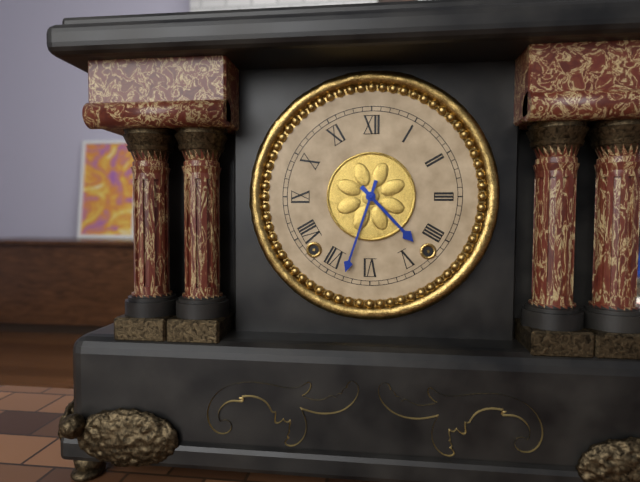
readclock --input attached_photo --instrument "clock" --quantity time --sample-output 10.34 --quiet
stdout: 4.33
